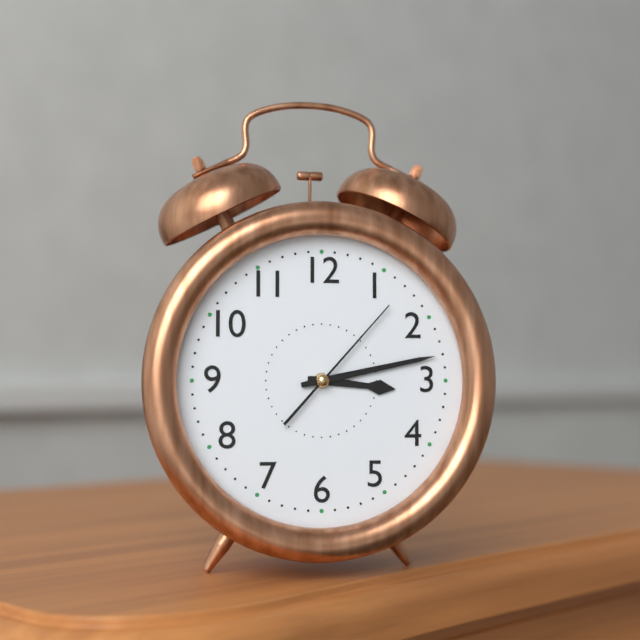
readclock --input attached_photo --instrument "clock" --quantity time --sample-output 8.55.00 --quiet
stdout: 3.13.07
